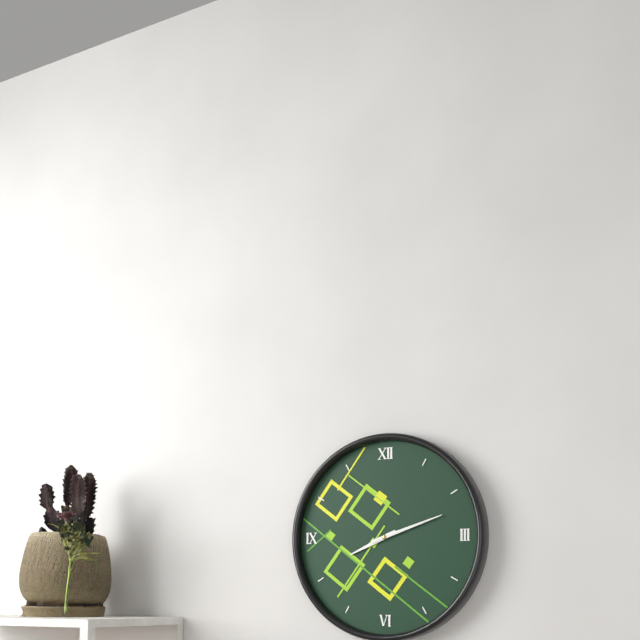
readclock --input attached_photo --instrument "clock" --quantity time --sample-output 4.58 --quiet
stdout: 8.12
